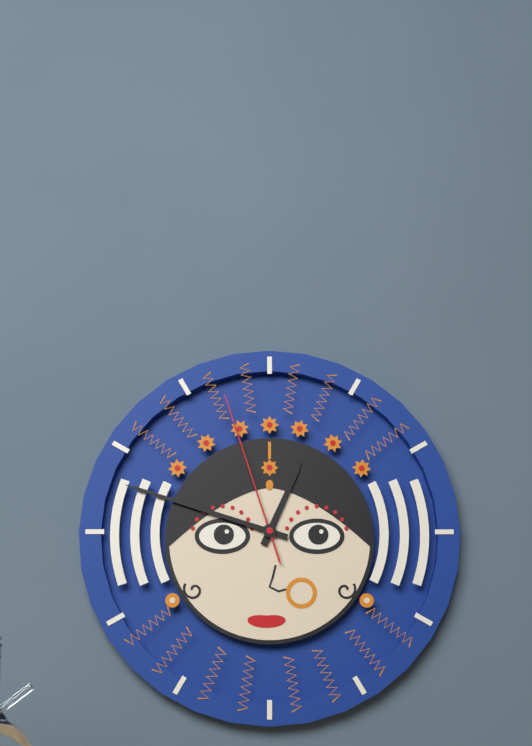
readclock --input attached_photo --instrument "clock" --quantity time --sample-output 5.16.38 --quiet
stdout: 12.48.57
